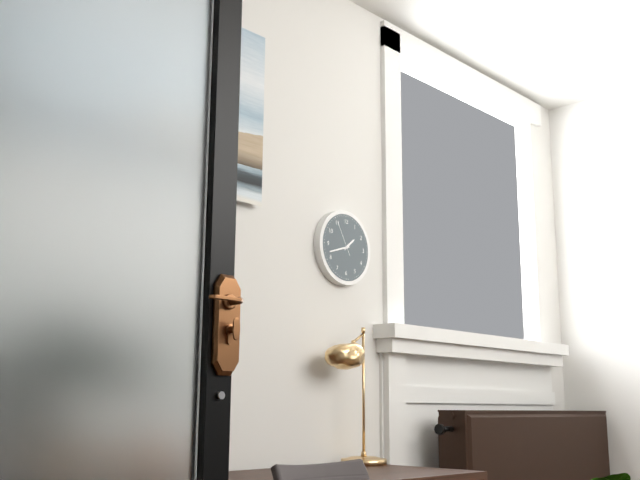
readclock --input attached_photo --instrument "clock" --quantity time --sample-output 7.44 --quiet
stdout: 1.42
